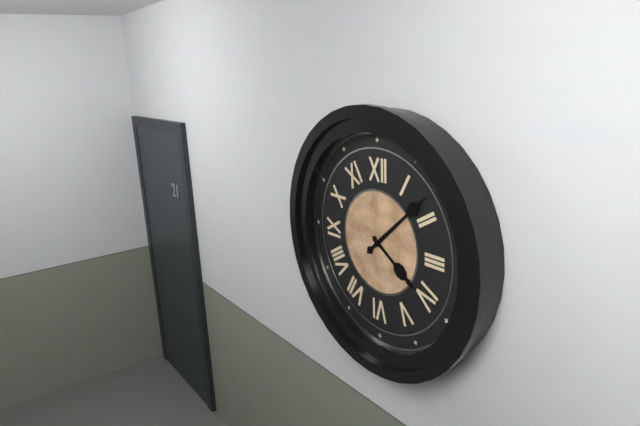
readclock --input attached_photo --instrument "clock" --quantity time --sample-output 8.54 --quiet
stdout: 4.08
